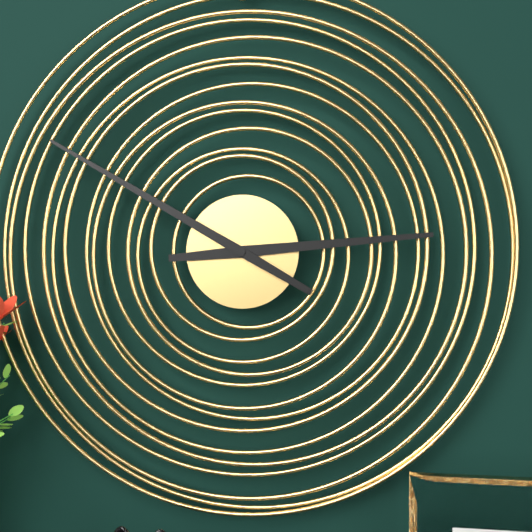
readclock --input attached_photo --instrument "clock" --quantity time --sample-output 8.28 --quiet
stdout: 2.50
